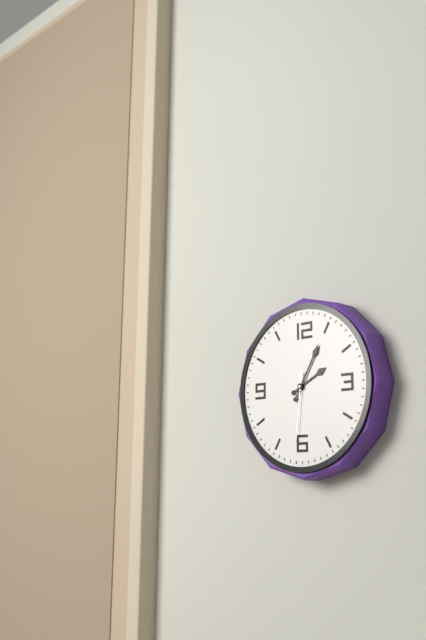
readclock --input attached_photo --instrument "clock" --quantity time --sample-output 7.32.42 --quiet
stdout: 2.05.31
